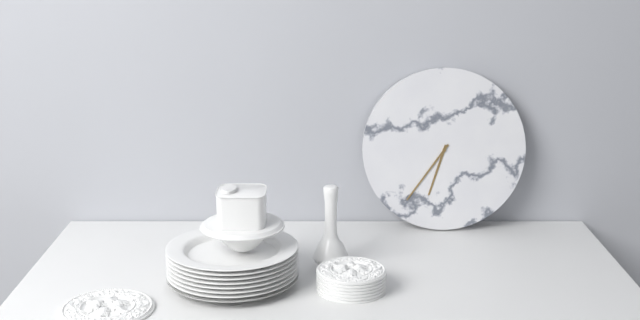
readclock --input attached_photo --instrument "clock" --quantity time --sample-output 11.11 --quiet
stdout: 6.36
